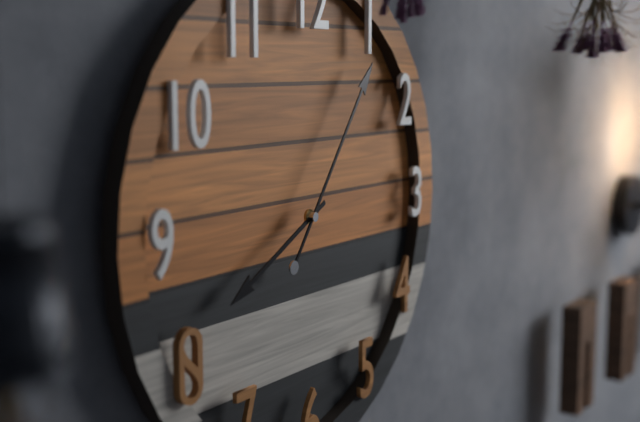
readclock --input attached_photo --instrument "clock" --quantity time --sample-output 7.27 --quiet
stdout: 8.06
